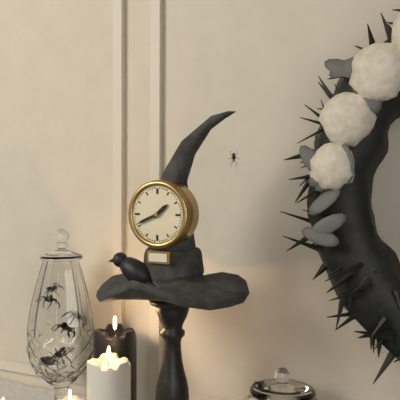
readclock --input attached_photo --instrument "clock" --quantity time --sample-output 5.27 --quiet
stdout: 1.41
